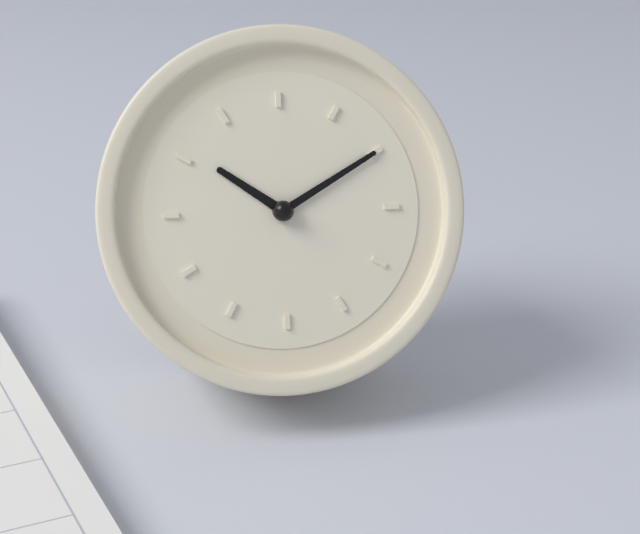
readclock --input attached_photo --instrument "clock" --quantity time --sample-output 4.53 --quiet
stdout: 10.10
